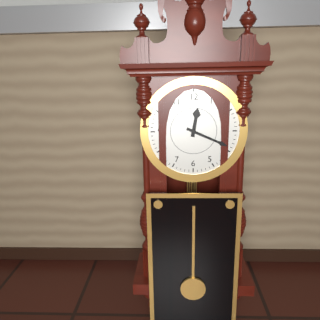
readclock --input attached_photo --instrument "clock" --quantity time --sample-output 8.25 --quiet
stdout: 12.19
